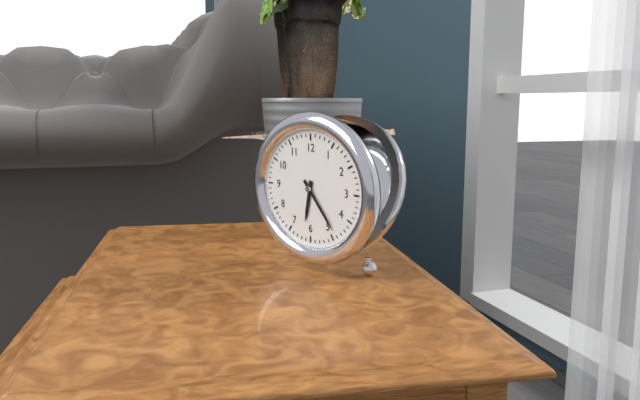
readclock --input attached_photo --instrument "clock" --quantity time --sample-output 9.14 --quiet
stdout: 6.23
